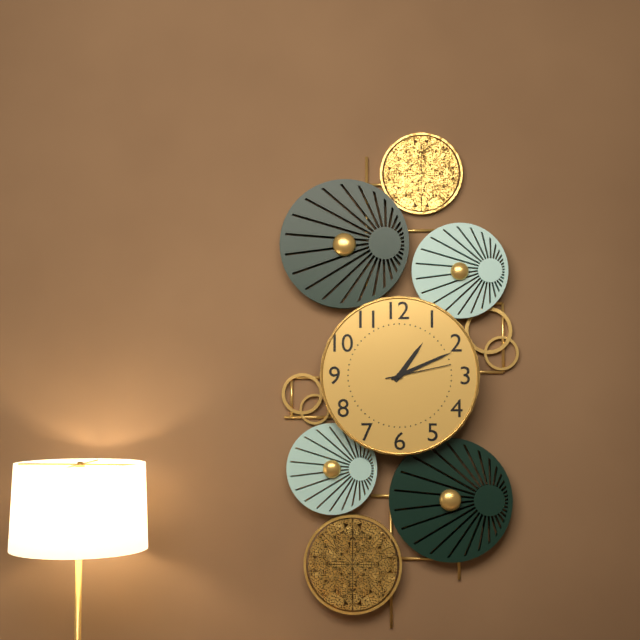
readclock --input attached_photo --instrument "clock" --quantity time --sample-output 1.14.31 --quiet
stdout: 1.11.13
